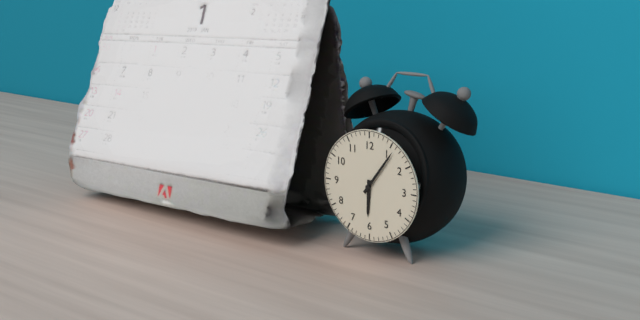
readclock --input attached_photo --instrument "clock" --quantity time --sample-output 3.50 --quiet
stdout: 6.06
